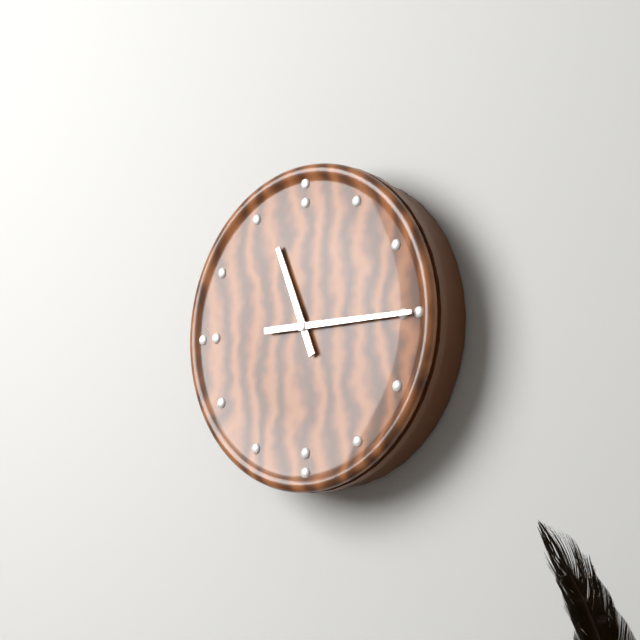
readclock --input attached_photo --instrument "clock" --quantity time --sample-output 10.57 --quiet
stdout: 11.15
